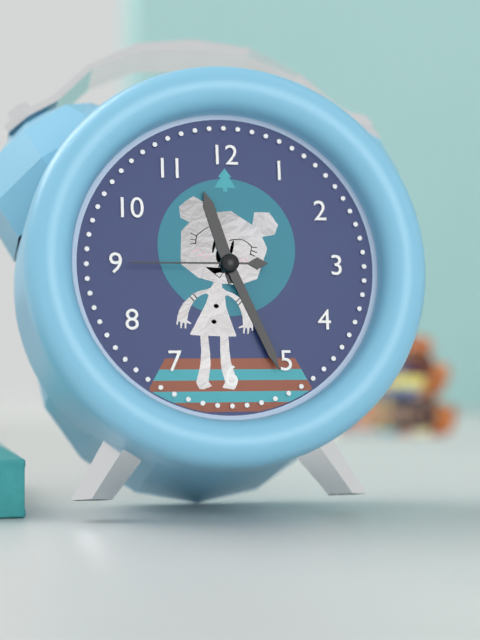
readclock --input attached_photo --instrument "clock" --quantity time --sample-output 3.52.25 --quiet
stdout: 11.26.45
